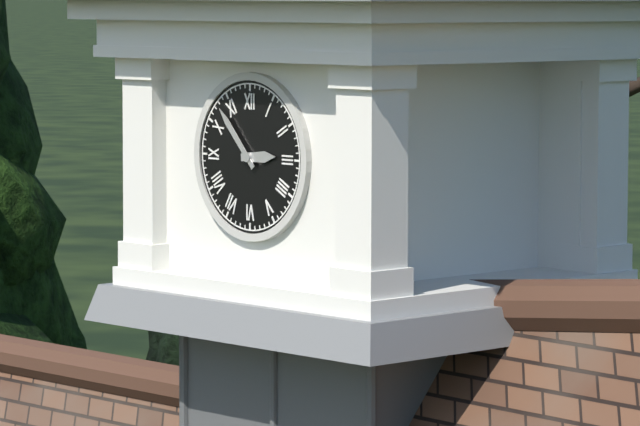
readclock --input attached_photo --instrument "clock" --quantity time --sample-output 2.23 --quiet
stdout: 2.53
